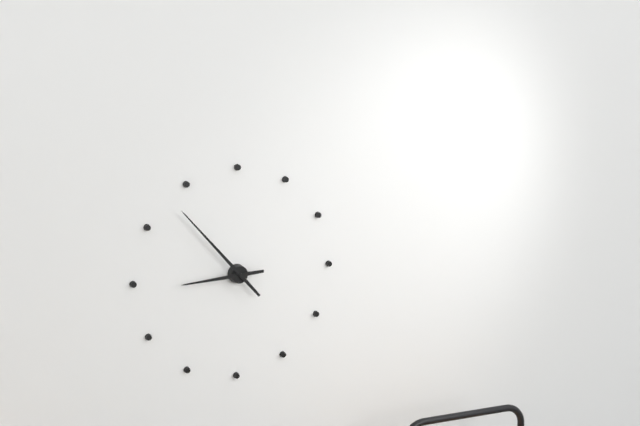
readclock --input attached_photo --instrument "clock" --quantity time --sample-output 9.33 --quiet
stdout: 8.53
